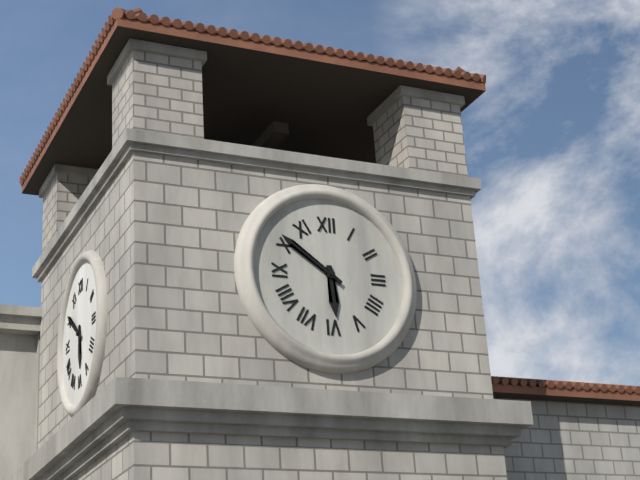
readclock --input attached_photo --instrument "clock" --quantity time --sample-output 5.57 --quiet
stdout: 5.51
